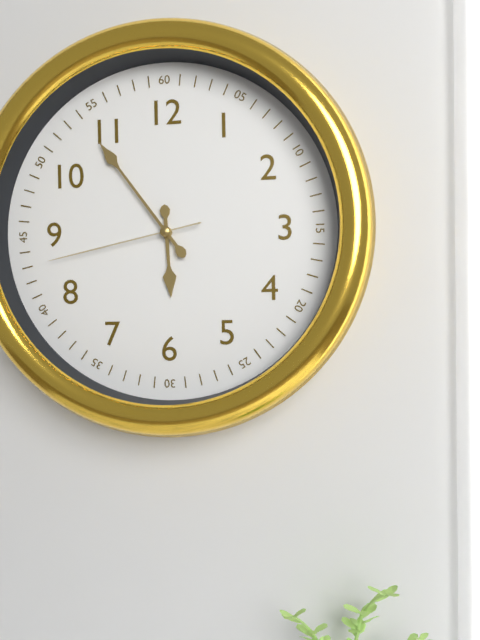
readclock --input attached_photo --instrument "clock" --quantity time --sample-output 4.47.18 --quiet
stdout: 5.54.43
